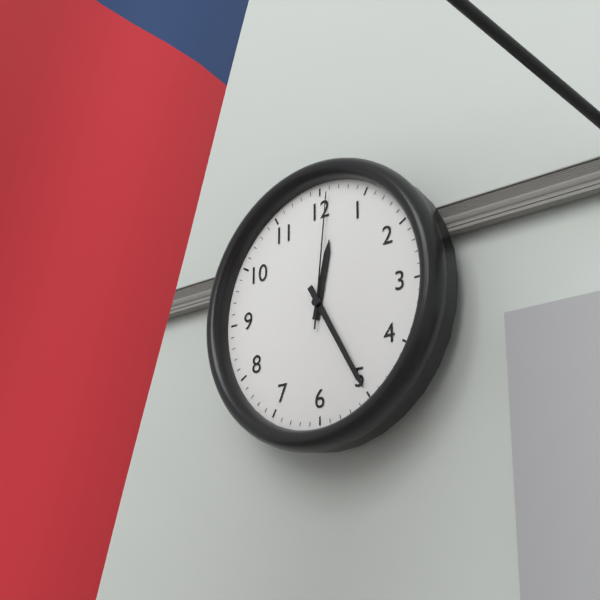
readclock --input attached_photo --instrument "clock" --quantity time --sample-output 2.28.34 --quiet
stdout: 12.25.01
